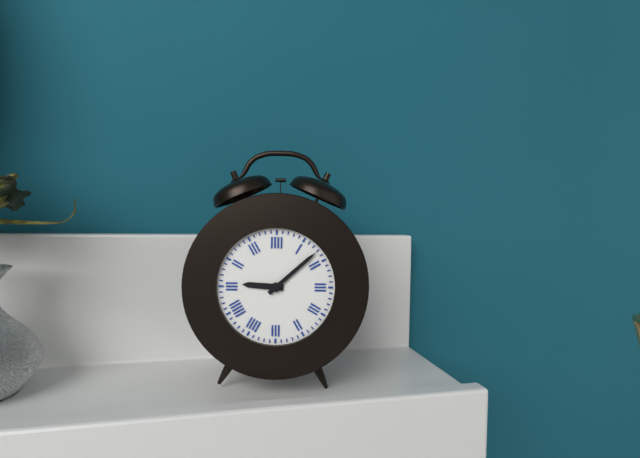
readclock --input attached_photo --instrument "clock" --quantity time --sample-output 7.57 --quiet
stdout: 9.08
